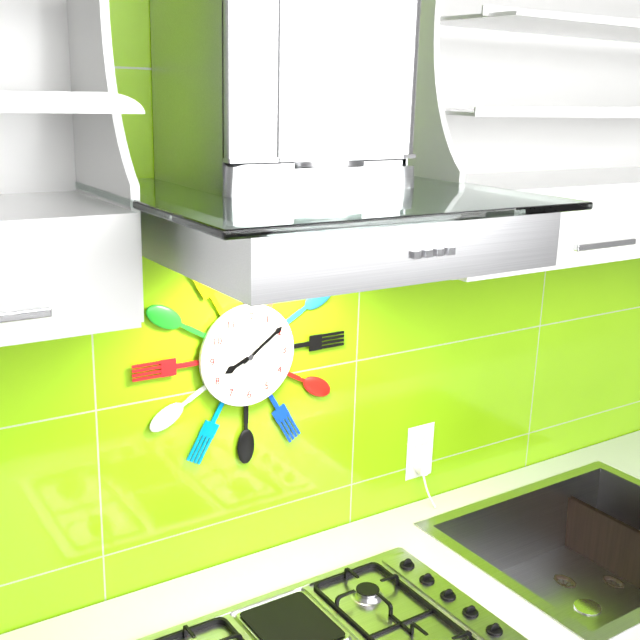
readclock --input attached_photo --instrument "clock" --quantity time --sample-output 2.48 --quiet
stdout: 8.09
